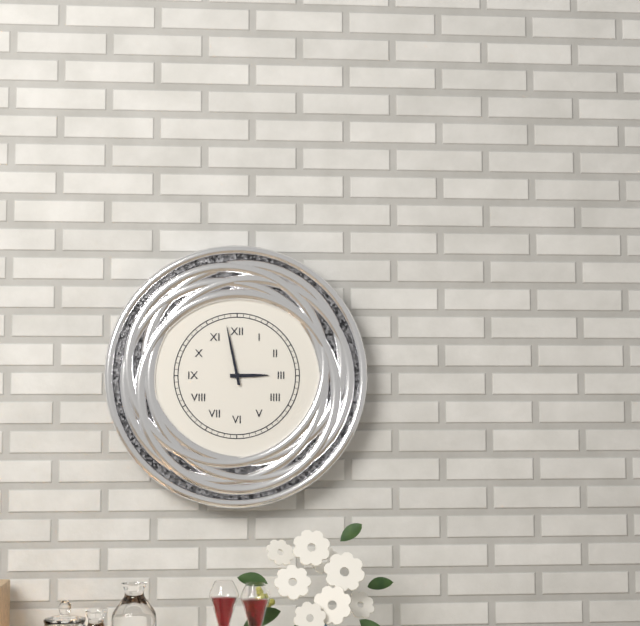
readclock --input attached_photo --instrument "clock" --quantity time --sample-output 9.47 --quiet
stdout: 2.58
